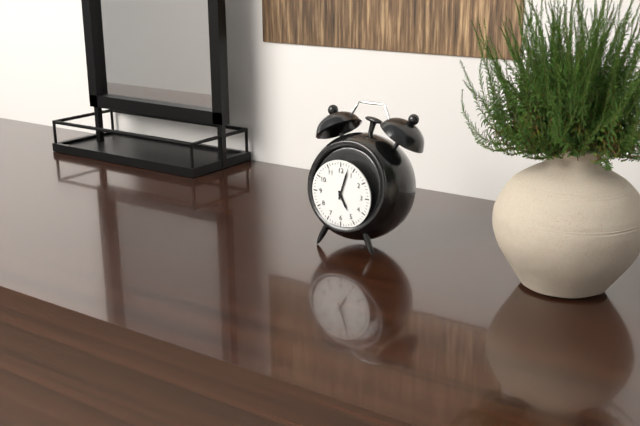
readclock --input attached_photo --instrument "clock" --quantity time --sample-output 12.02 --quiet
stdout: 5.03
